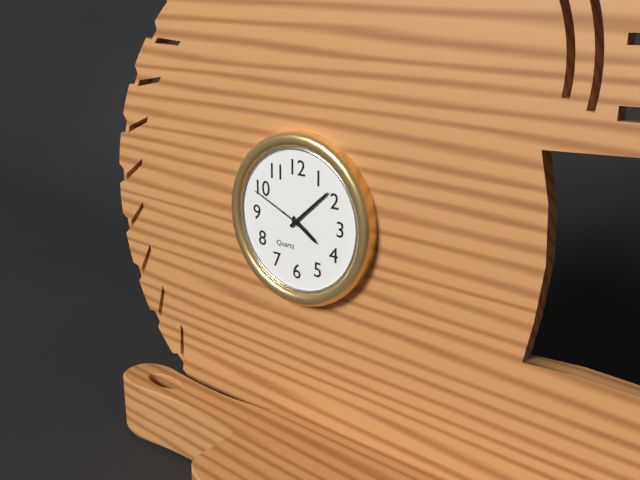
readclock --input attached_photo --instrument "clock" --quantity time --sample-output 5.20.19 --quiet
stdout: 4.08.49
